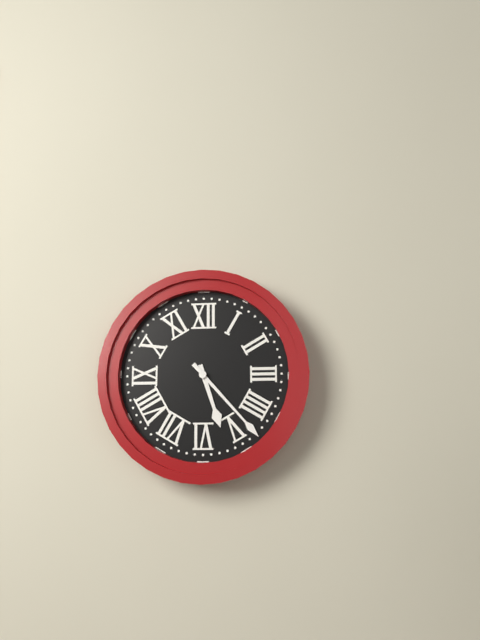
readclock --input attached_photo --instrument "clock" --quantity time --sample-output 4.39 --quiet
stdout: 5.23
